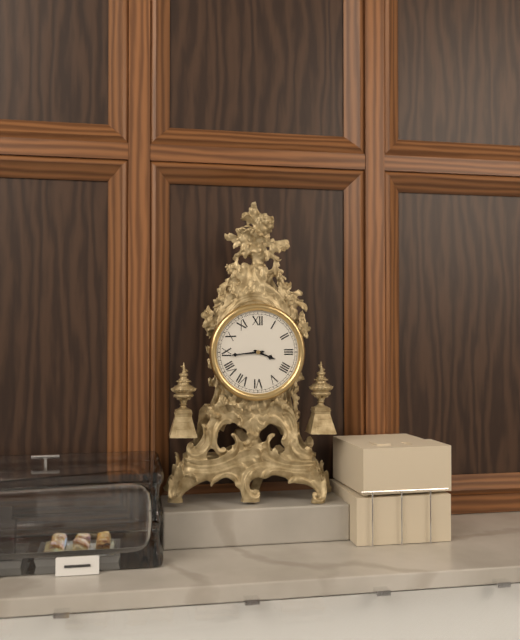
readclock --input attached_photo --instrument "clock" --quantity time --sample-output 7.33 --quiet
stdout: 3.44
